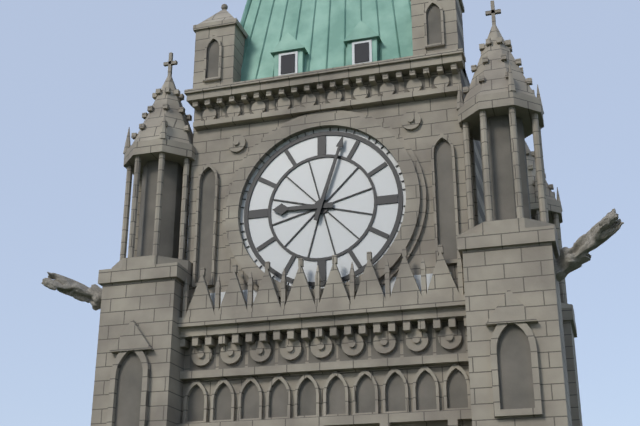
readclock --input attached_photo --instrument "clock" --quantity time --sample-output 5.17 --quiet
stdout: 9.03
